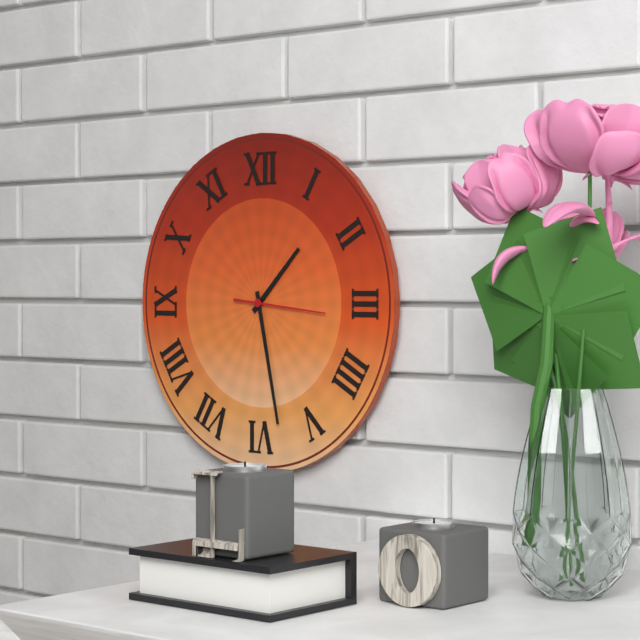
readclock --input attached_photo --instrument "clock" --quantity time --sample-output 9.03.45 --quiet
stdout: 1.28.16
